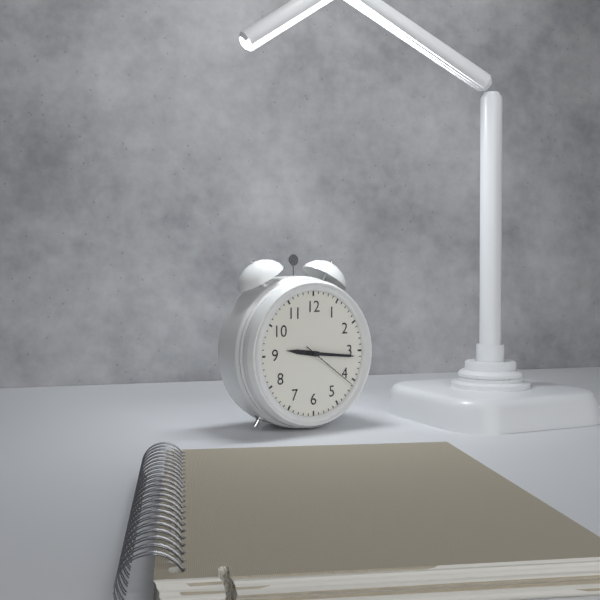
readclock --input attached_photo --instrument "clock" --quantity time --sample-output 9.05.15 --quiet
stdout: 9.16.21
